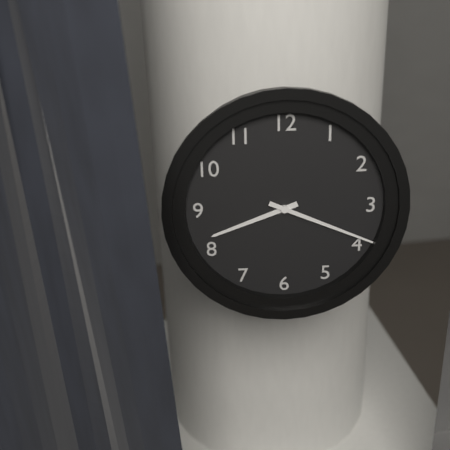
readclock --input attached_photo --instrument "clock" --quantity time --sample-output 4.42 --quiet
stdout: 8.19
